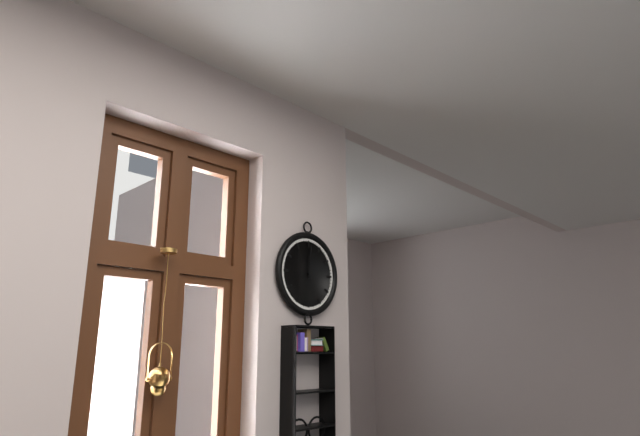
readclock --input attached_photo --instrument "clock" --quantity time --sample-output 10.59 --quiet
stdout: 12.01
